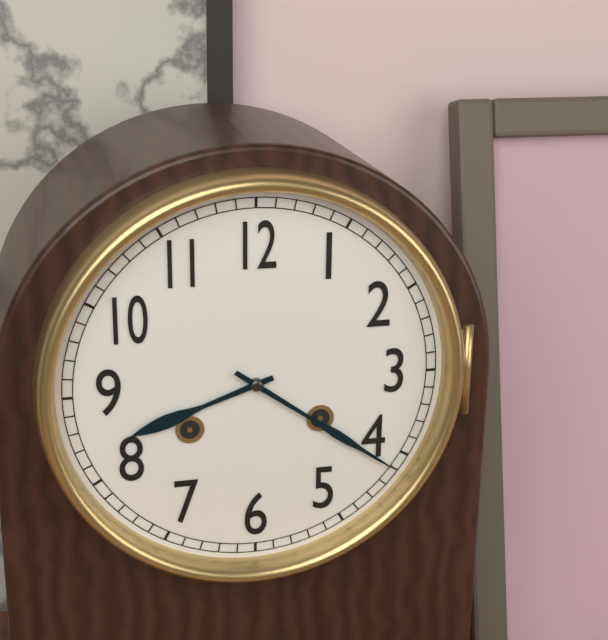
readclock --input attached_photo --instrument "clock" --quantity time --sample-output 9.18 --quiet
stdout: 8.21
